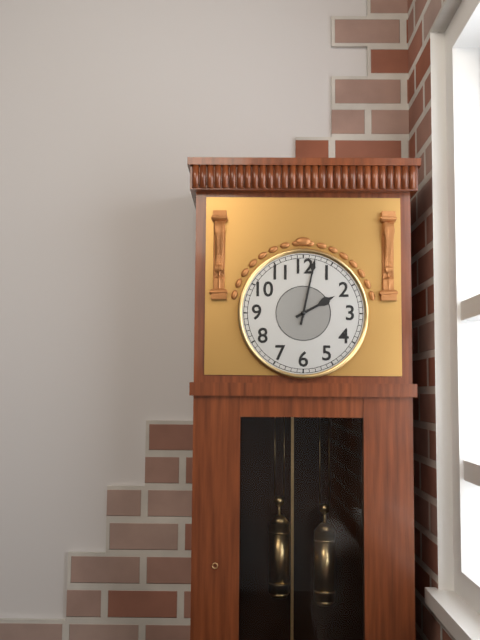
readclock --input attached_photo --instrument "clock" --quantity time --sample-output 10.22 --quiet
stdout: 2.02
